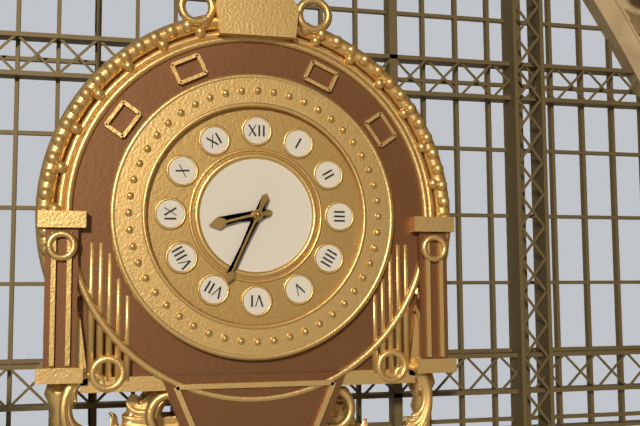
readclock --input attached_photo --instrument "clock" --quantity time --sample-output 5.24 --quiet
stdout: 8.34
